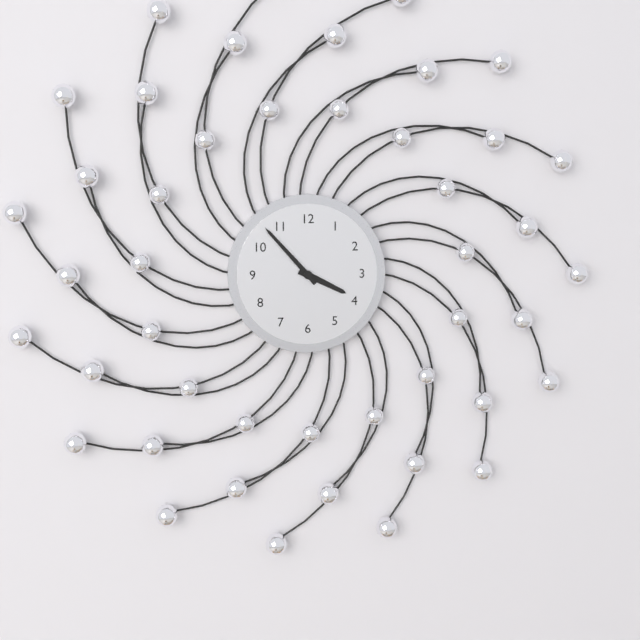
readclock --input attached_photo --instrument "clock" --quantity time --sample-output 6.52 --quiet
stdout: 3.53
